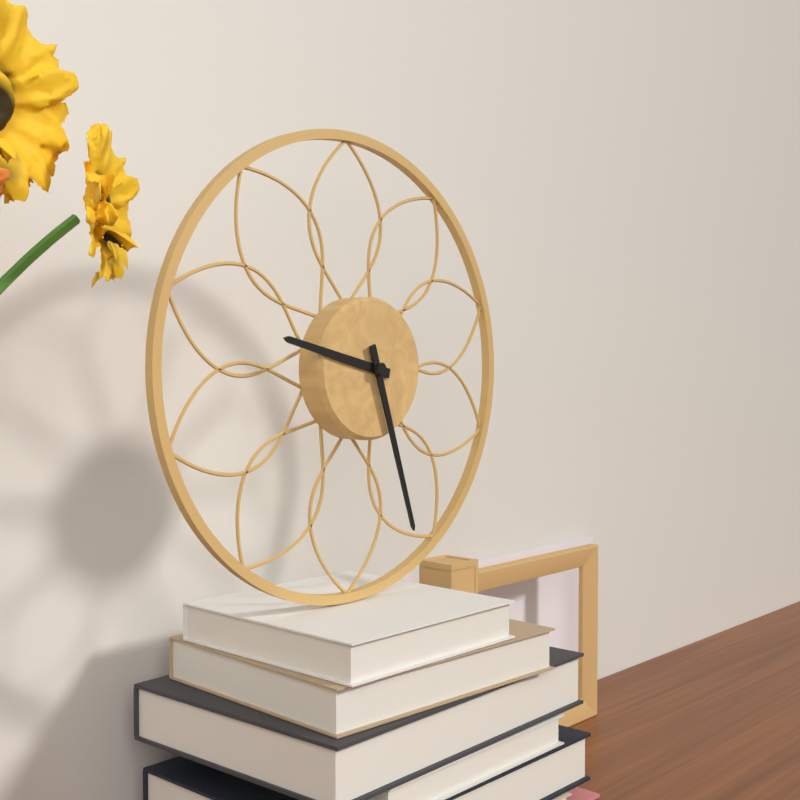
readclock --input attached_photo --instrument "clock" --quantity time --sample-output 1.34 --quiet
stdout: 9.27
